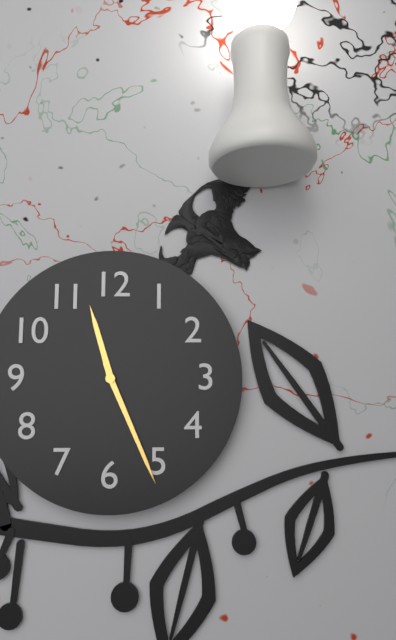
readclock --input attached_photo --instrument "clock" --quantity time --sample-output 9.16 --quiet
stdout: 11.26
